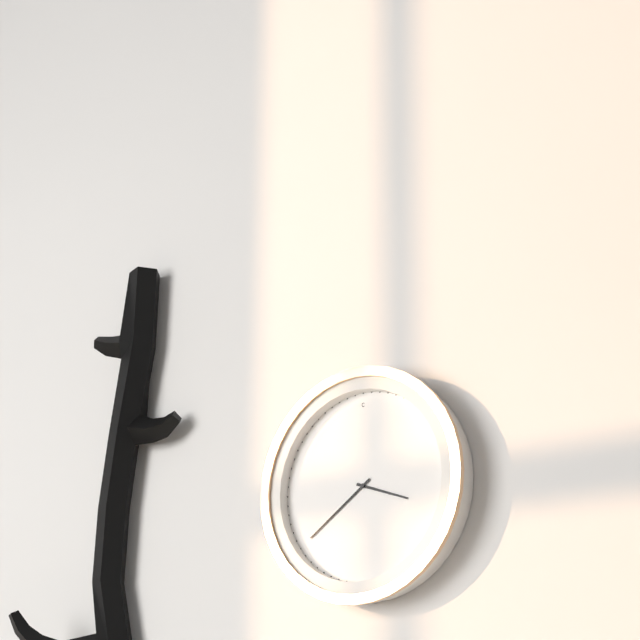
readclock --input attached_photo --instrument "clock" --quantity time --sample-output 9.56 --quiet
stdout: 3.39
